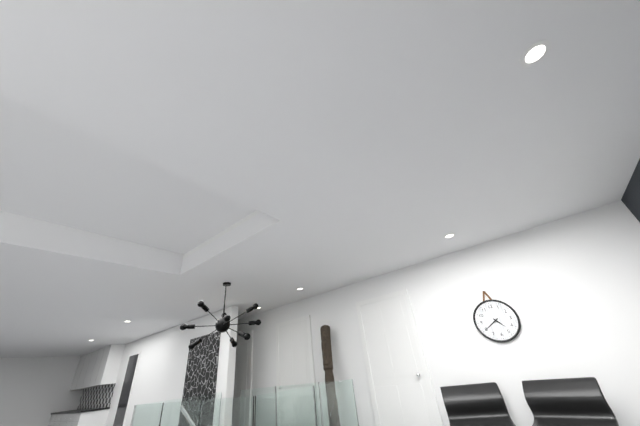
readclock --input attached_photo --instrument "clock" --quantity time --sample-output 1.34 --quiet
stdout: 4.40
